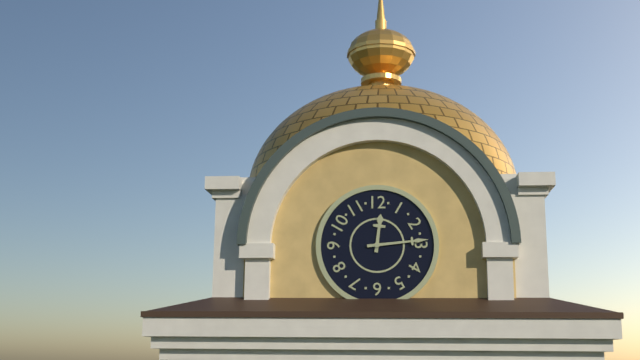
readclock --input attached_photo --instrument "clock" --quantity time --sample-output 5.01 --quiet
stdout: 12.14
